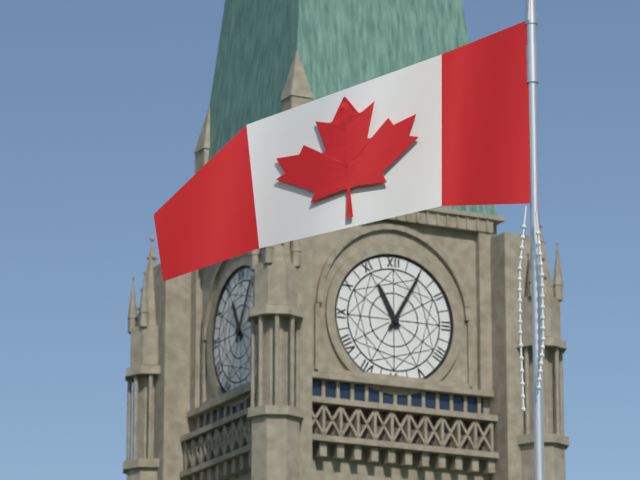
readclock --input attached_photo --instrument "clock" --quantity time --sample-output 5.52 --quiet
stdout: 11.05
